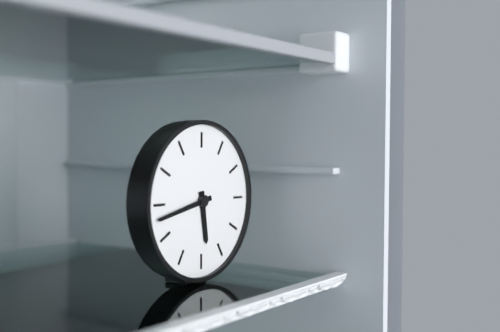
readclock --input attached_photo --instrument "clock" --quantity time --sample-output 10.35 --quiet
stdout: 5.43
